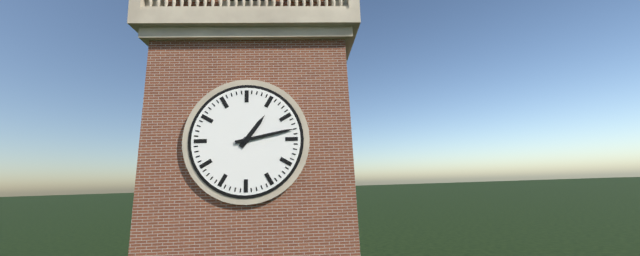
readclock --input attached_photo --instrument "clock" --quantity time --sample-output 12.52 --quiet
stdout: 1.13
